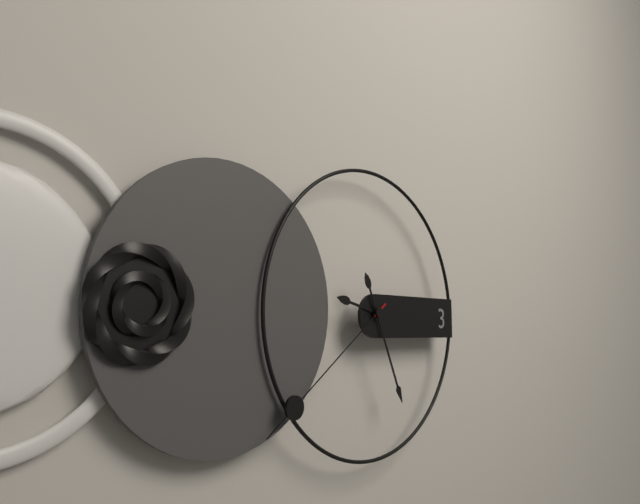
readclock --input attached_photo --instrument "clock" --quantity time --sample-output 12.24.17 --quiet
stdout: 9.26.39
